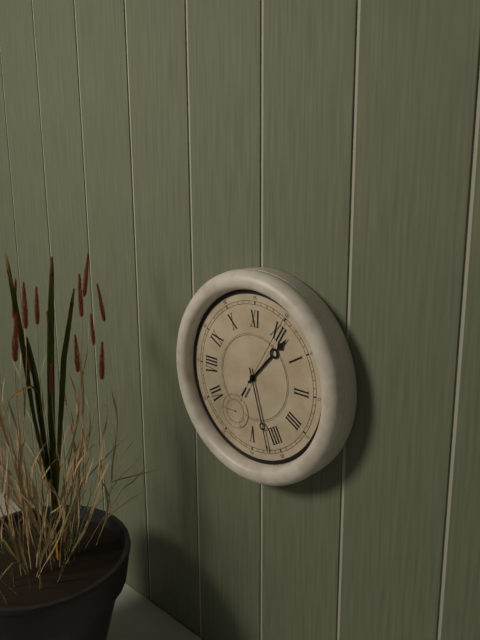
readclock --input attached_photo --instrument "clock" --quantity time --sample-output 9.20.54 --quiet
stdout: 12.22.00
